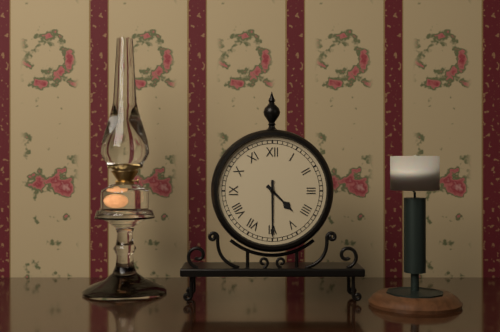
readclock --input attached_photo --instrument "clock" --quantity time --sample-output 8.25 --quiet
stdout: 4.30
